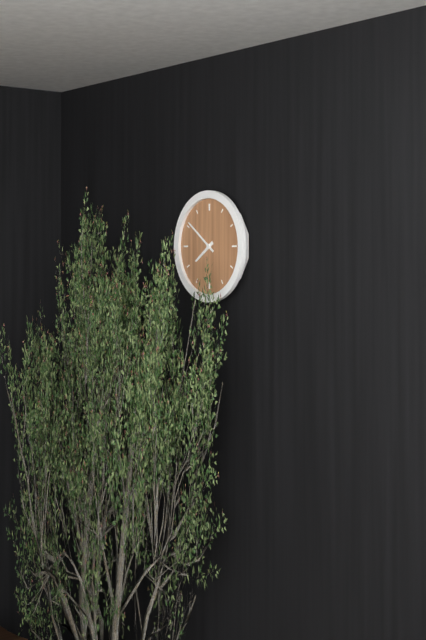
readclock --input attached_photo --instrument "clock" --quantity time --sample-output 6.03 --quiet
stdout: 7.51
